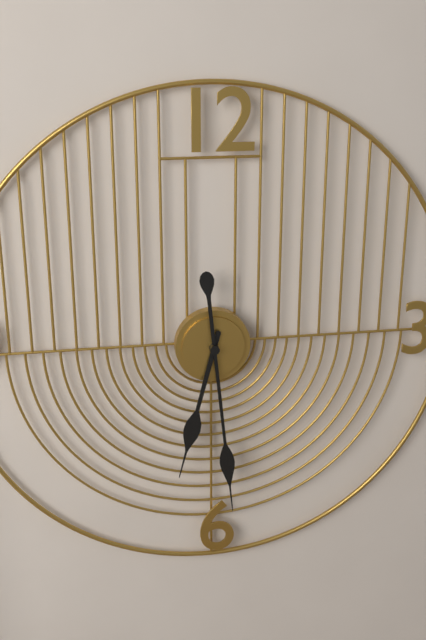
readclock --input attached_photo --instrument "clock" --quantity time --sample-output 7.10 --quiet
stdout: 6.29
